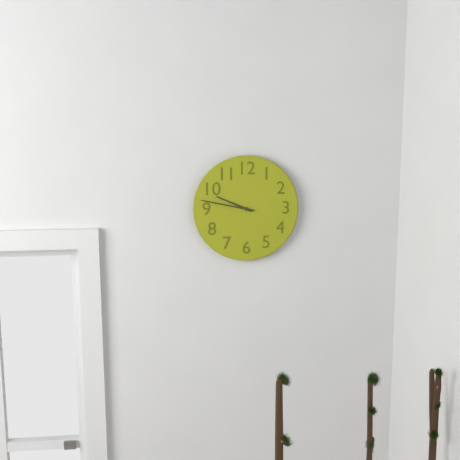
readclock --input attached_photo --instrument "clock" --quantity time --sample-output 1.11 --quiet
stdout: 9.47
